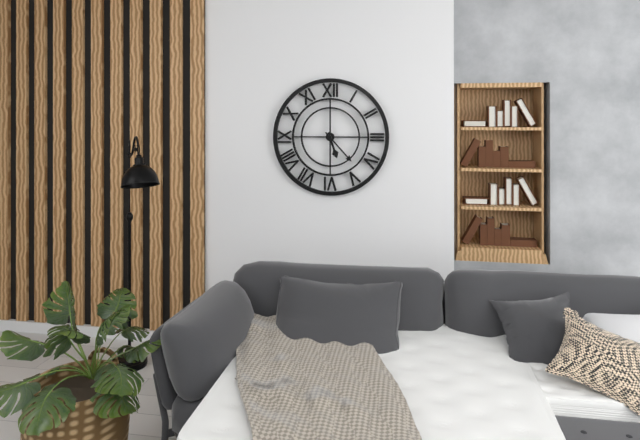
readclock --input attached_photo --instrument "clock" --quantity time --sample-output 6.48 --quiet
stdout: 5.23
